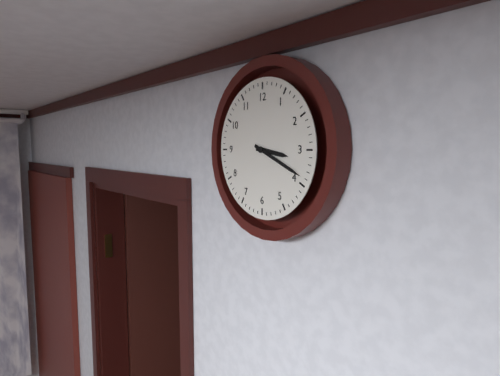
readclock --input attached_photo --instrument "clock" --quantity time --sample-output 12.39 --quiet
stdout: 3.19
